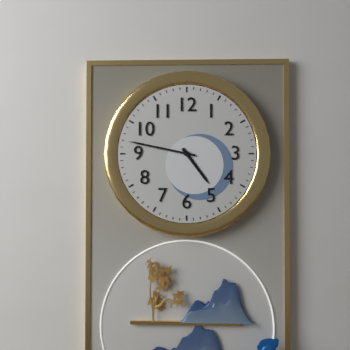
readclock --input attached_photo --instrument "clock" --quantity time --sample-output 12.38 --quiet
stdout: 4.47
